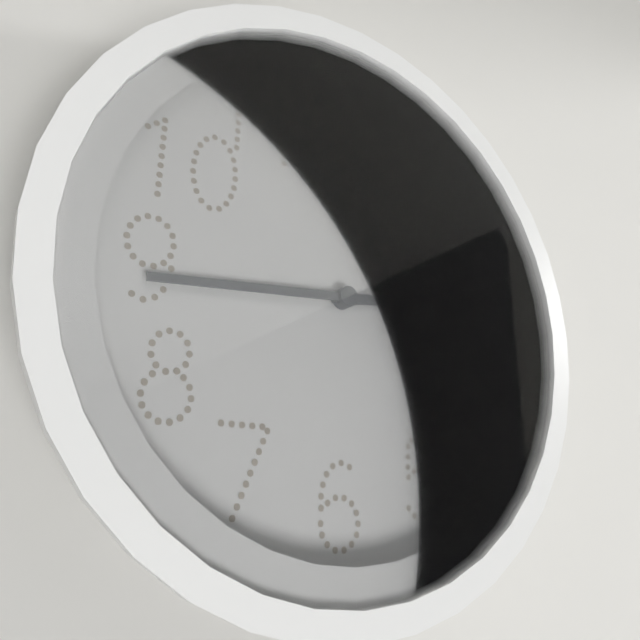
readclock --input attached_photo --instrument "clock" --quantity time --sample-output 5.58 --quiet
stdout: 2.44
